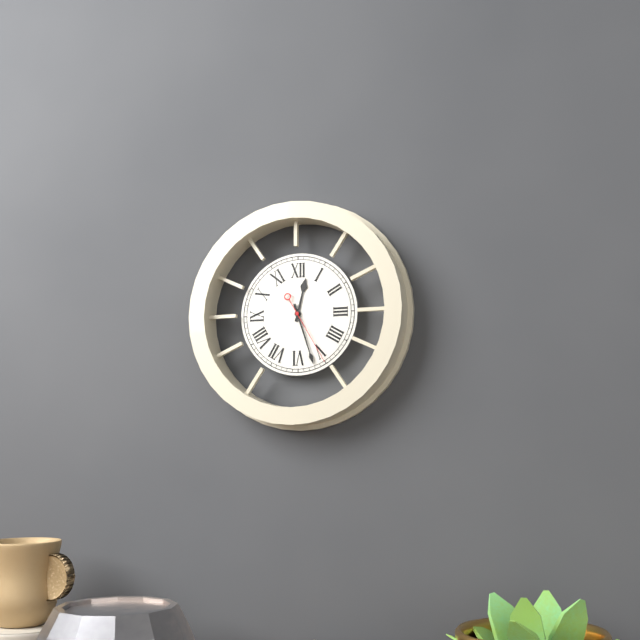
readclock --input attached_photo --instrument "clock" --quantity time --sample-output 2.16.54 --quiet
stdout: 12.27.25
